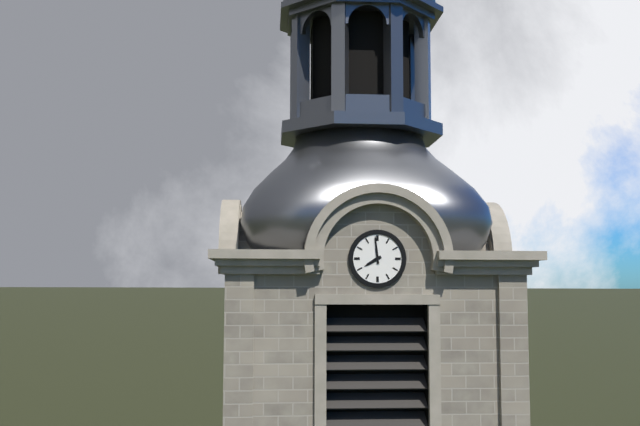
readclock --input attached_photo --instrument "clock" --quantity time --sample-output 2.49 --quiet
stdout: 7.59
